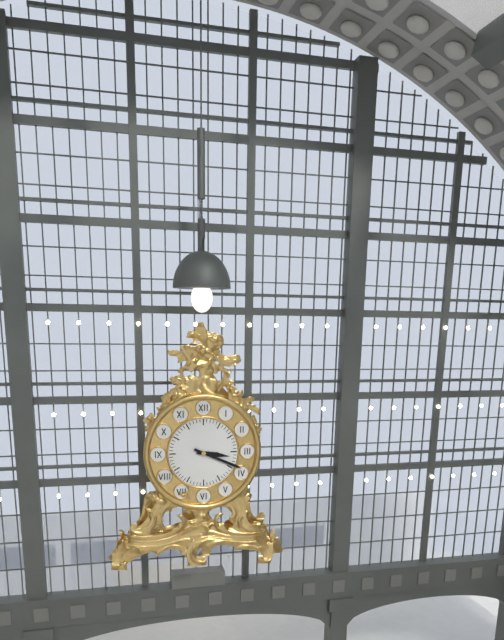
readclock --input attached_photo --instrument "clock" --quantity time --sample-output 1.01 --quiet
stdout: 3.19
